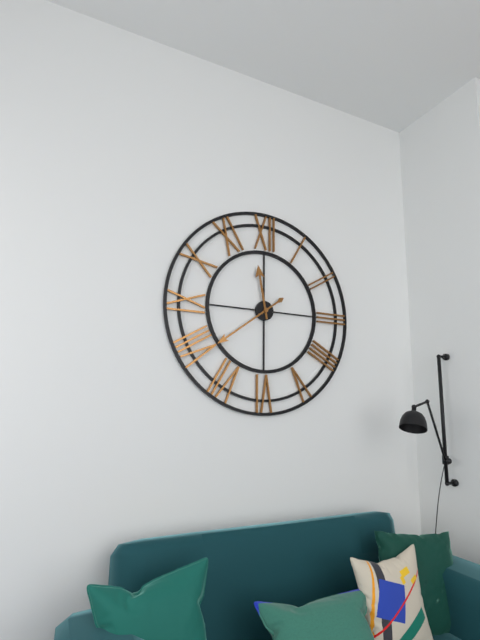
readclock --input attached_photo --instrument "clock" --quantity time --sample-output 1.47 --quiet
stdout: 11.39
